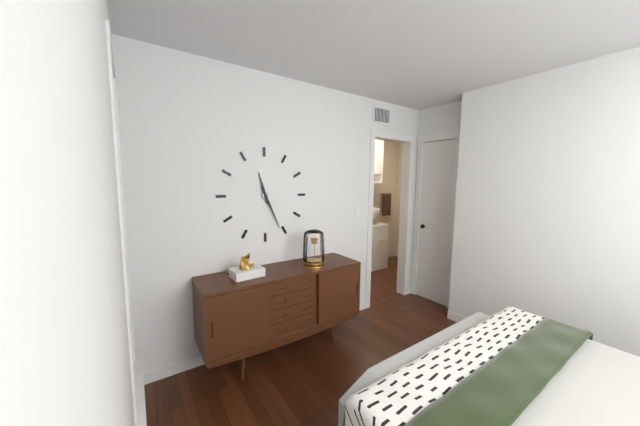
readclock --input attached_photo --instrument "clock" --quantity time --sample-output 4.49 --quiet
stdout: 11.26
